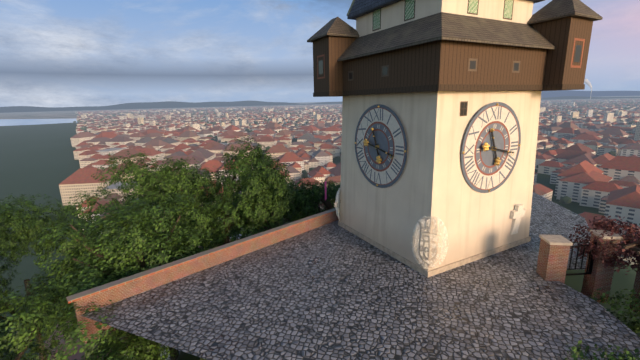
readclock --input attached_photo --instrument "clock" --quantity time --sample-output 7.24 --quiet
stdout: 11.17
